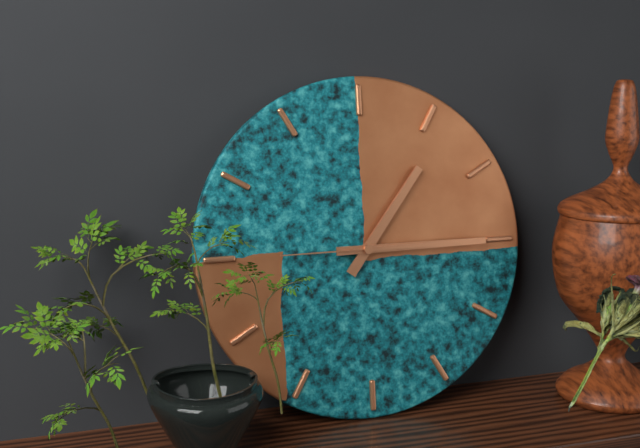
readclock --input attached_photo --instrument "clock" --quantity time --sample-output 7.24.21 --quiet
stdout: 1.15.45
